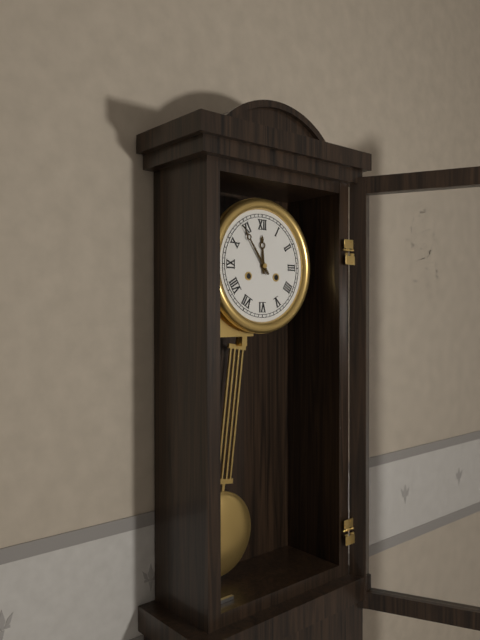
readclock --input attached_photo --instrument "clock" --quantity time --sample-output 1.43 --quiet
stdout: 11.54
